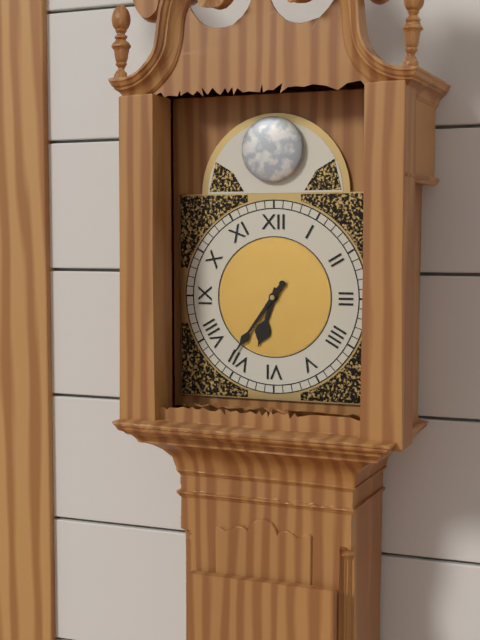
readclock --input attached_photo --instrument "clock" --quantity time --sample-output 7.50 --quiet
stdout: 6.36
